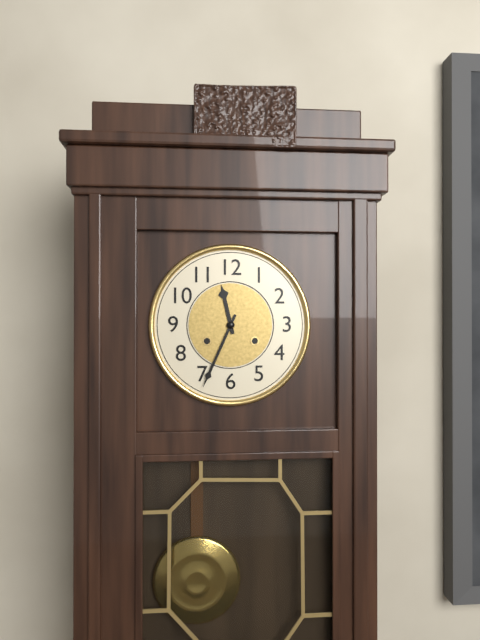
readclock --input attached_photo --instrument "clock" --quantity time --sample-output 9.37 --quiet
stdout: 11.34
